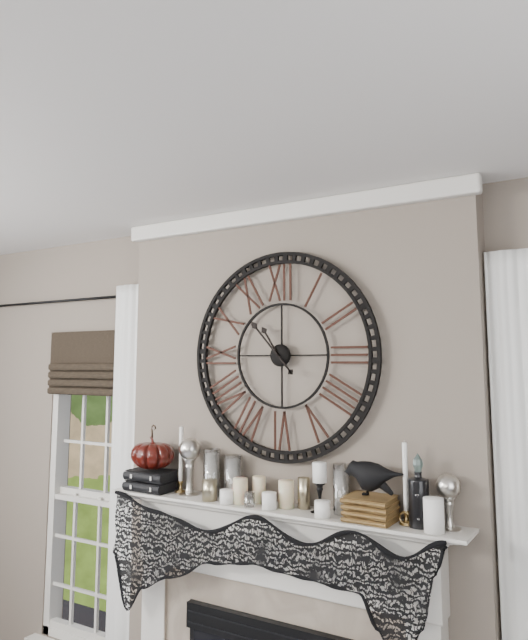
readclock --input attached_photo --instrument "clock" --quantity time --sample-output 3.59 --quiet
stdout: 10.53
